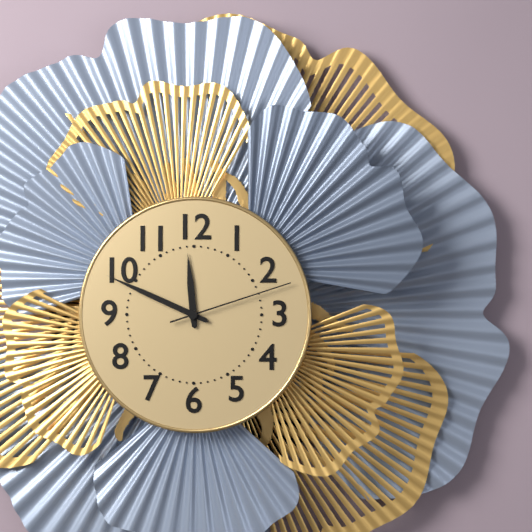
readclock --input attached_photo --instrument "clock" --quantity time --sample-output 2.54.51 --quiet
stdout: 11.49.12
